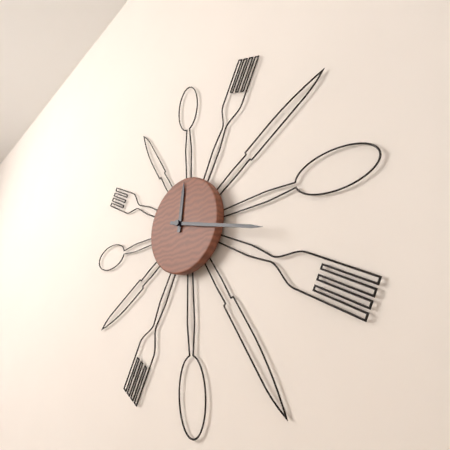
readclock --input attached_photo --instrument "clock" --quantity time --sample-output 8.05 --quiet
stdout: 12.18
